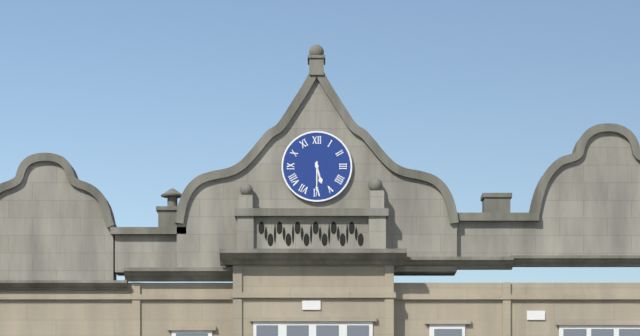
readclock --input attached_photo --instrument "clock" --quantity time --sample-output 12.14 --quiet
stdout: 5.30
